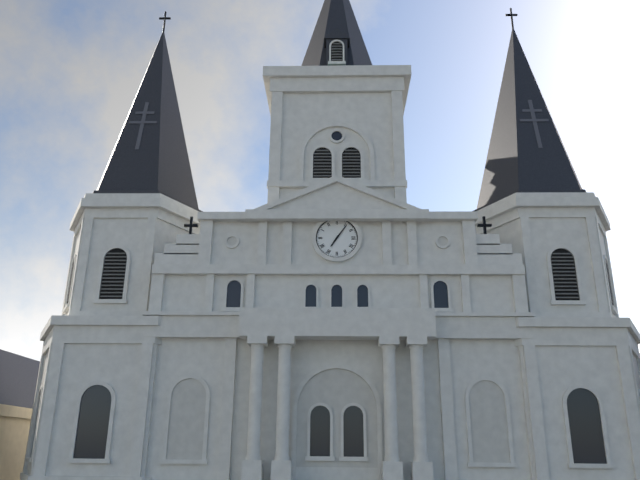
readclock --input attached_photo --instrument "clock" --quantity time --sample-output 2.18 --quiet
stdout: 7.06
